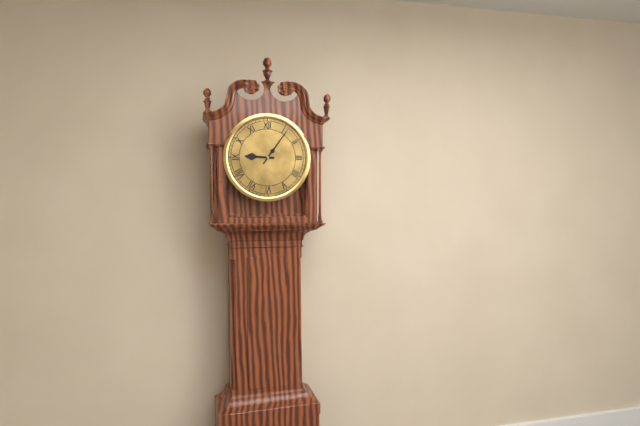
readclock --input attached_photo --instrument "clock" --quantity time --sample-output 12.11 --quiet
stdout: 9.06
